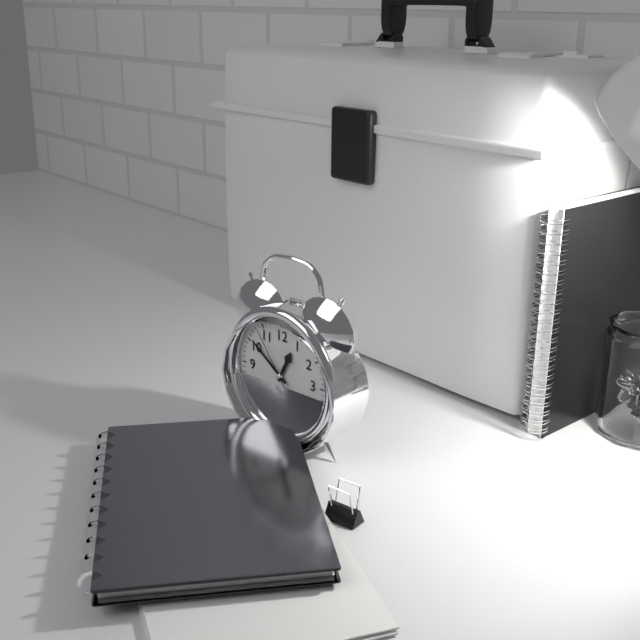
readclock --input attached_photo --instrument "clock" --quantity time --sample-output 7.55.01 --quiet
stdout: 12.51.54
